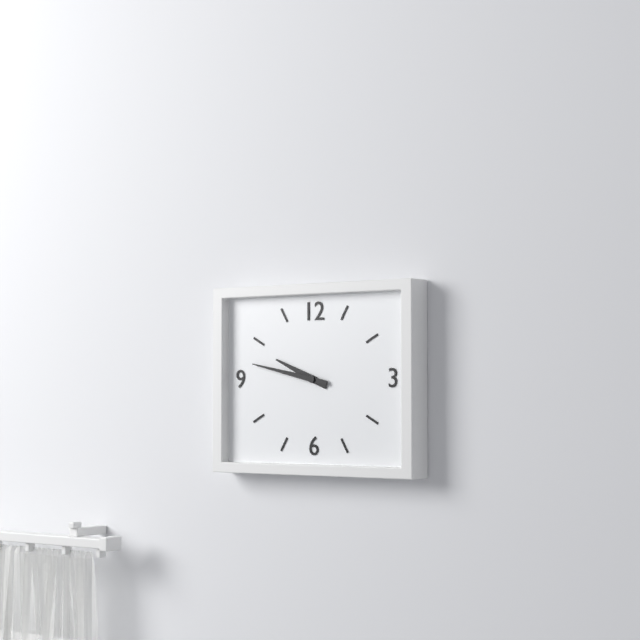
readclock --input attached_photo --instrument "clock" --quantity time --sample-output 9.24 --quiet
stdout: 9.47
